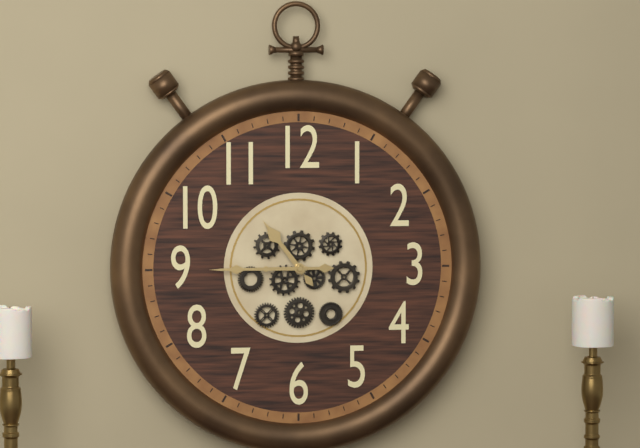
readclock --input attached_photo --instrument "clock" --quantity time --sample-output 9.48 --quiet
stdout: 10.45
